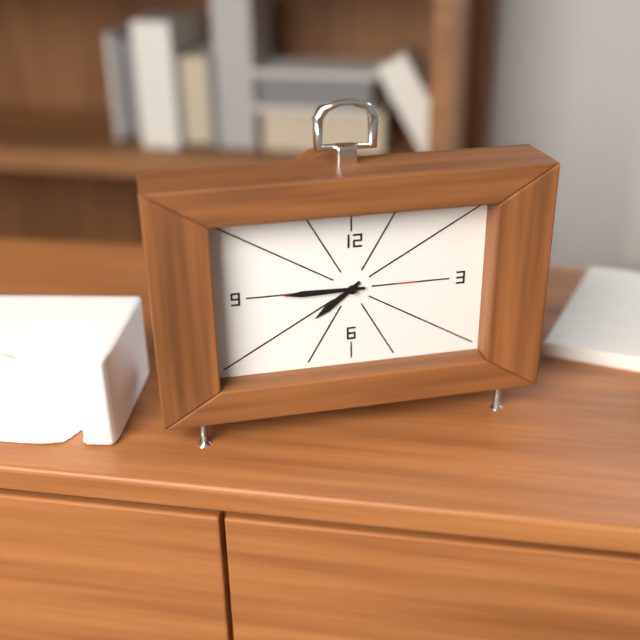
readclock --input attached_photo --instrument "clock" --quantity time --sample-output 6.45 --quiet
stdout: 7.45
